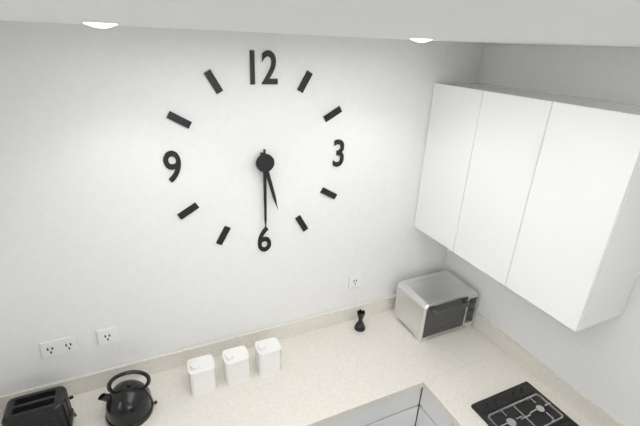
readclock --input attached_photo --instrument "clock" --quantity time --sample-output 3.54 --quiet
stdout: 5.30
